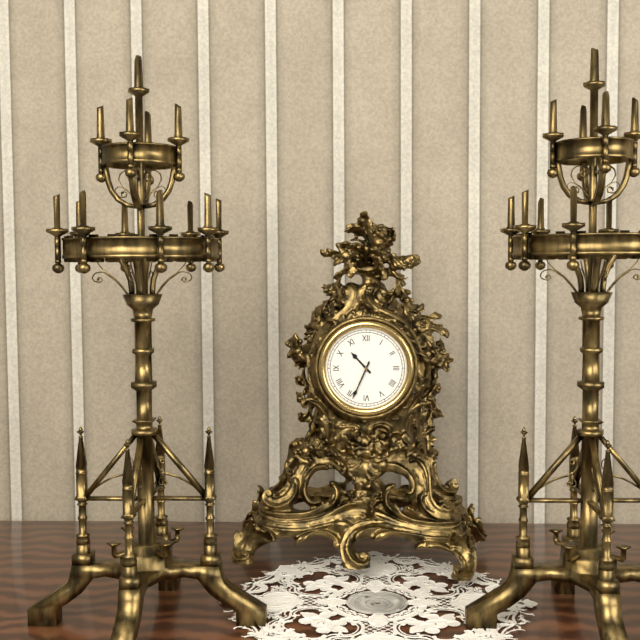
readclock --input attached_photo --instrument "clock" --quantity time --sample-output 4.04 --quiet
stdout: 10.34
